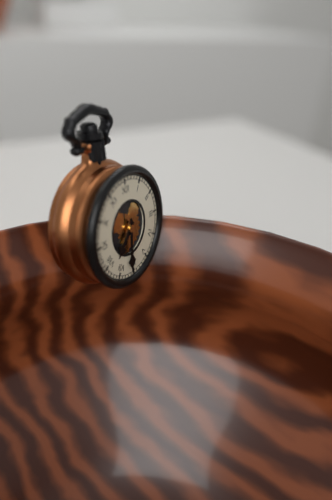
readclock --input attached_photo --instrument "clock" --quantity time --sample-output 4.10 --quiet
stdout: 7.31
